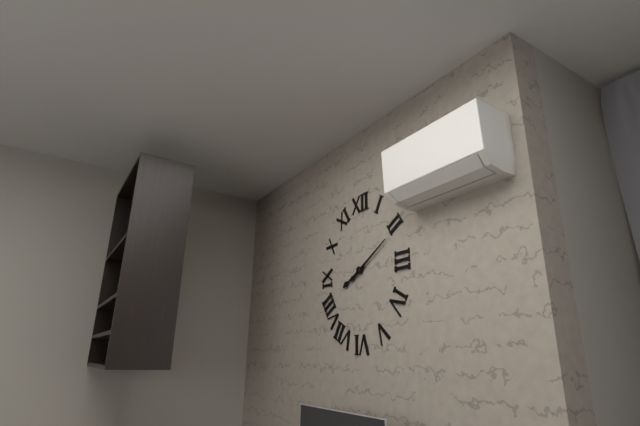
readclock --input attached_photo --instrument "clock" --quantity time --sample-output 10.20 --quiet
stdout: 8.10
